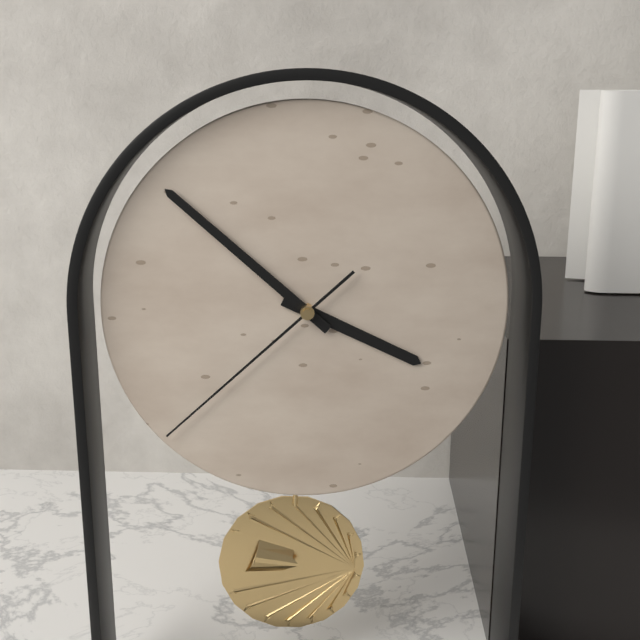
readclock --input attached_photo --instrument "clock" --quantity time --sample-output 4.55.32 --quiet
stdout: 3.52.38
